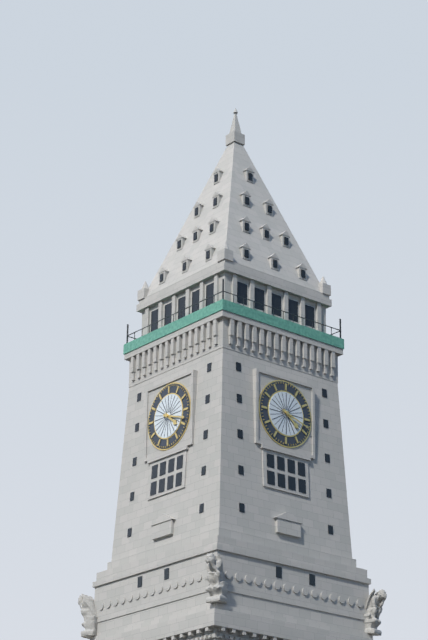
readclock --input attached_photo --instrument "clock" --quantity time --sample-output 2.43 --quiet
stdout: 4.18
